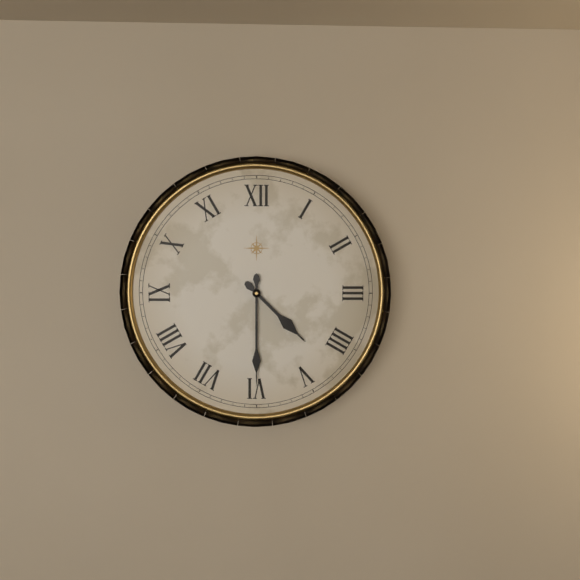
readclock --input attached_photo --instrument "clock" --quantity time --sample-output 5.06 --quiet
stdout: 4.30
